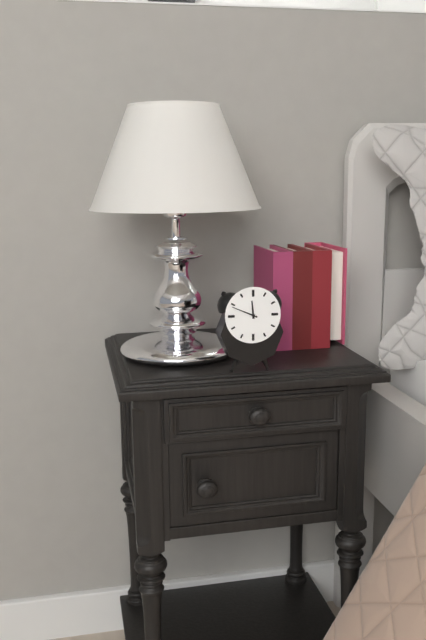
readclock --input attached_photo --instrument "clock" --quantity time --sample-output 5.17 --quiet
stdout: 11.49
